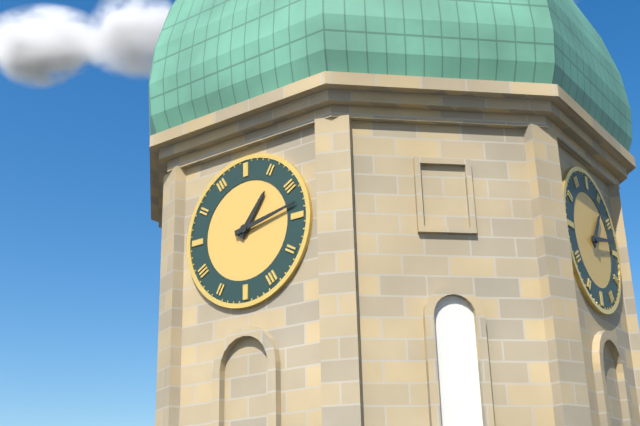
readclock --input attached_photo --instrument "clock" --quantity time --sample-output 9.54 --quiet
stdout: 1.13
